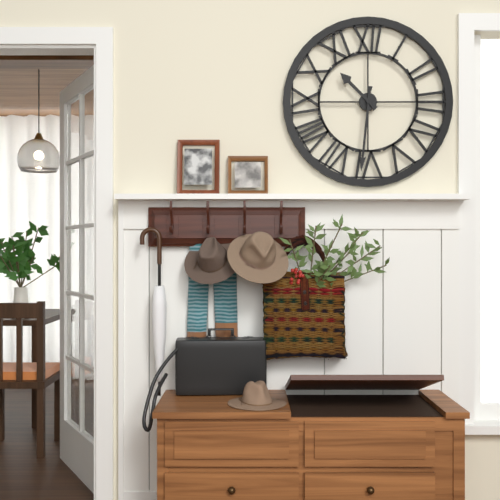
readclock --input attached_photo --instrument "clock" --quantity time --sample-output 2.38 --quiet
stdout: 10.31
